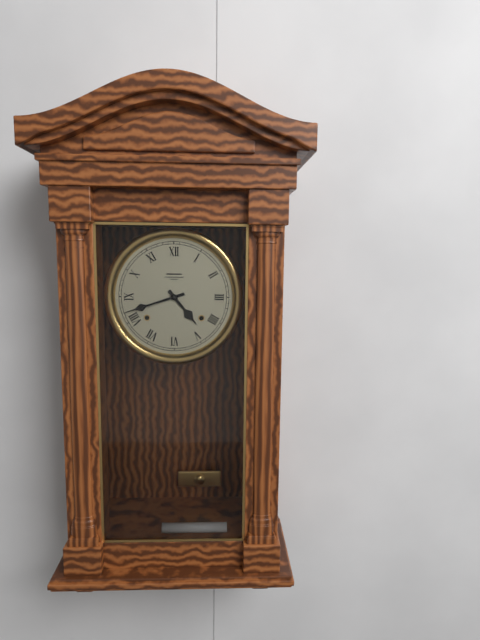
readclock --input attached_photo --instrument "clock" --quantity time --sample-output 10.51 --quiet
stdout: 4.42
